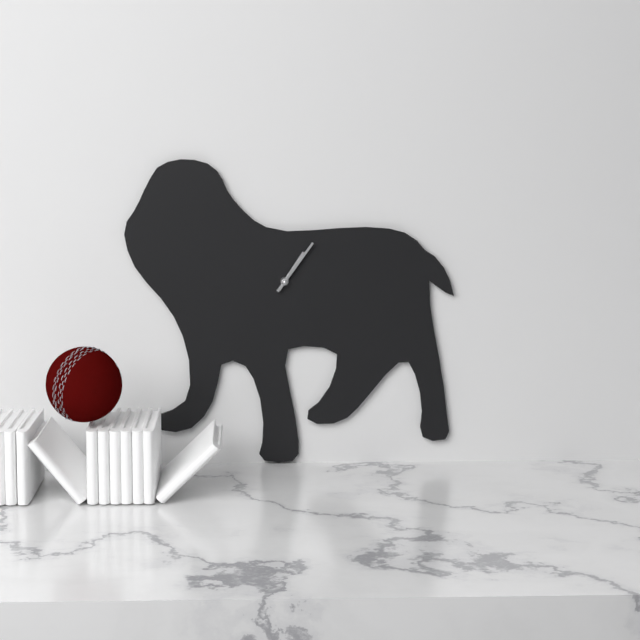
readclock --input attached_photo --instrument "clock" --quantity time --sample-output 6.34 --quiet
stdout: 1.06
